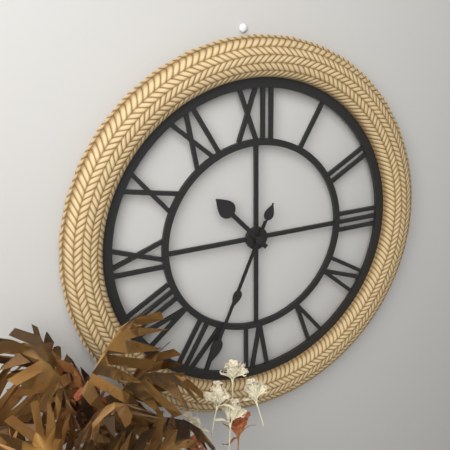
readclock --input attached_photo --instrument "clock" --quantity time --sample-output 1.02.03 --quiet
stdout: 10.34.34
